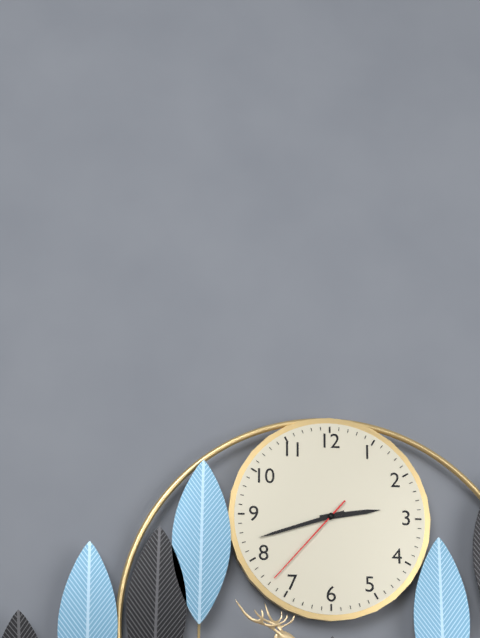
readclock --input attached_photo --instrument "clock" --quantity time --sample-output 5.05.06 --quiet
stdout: 2.42.37
